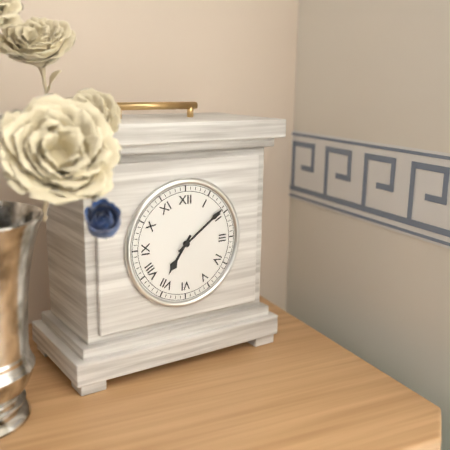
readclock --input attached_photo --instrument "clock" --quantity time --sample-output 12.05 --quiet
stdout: 7.09
